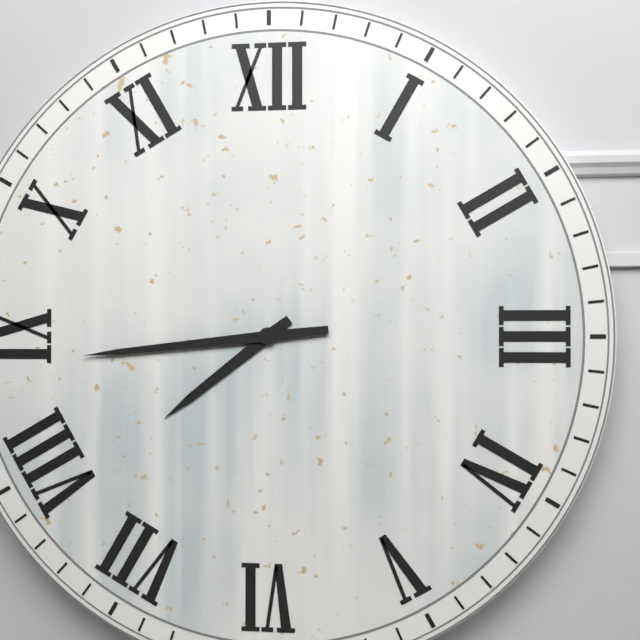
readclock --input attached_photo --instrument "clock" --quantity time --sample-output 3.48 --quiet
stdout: 7.44
